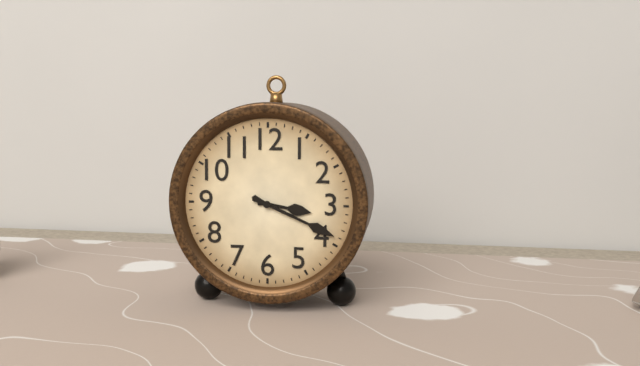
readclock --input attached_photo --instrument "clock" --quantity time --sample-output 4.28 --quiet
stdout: 3.19
